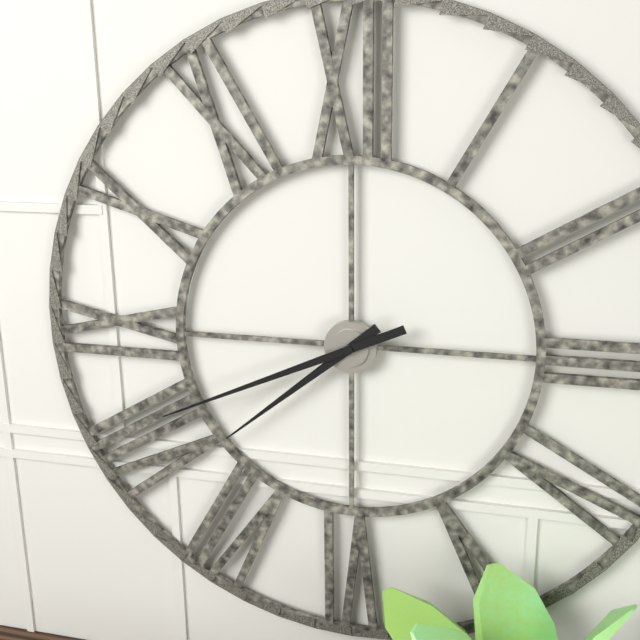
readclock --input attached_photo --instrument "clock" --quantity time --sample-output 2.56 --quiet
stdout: 7.41
